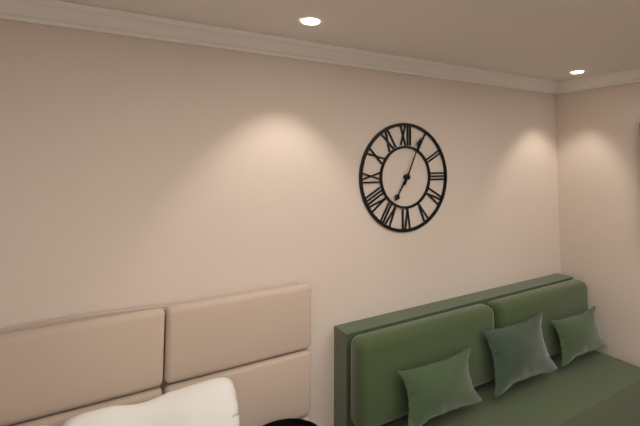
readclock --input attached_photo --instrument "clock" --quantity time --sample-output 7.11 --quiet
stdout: 7.04
